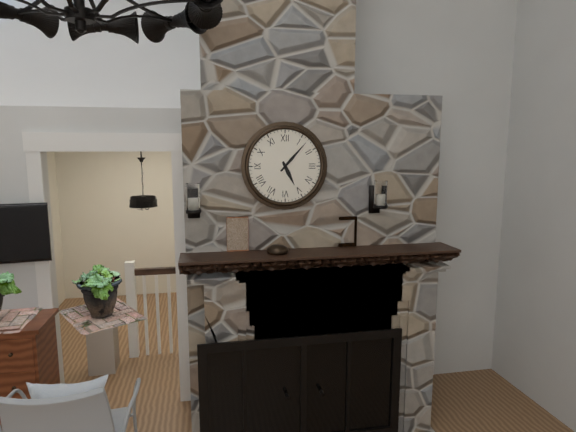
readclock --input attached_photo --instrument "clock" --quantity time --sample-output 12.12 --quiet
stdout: 5.07
